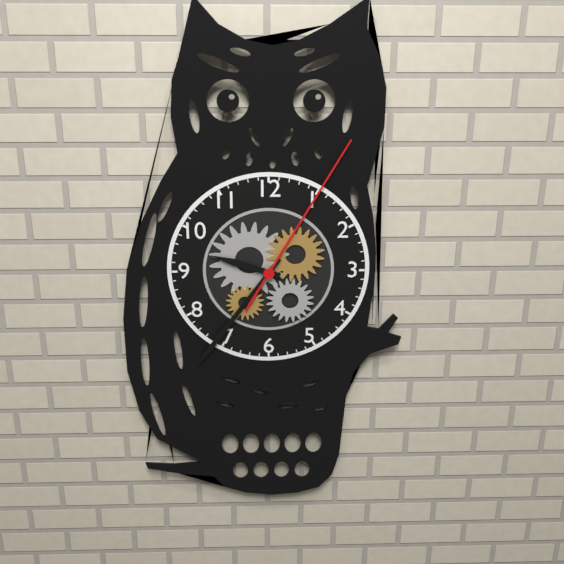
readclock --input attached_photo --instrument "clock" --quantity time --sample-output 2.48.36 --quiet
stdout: 9.36.05
